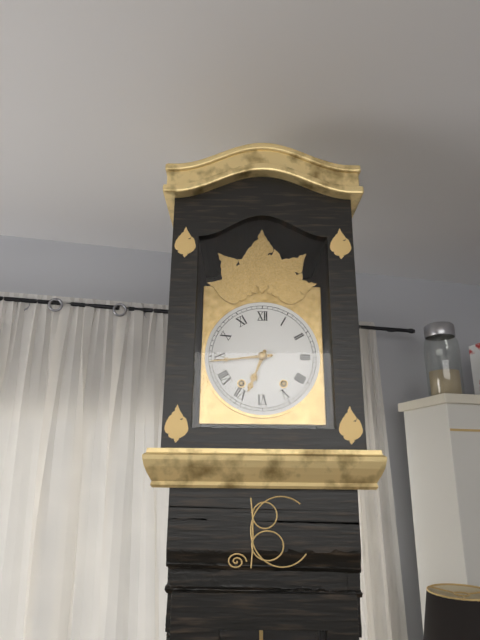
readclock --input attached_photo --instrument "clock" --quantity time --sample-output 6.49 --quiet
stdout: 6.44
